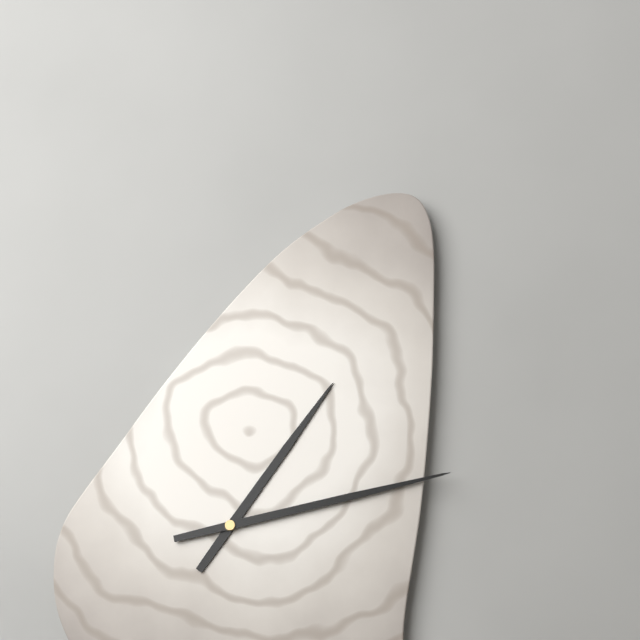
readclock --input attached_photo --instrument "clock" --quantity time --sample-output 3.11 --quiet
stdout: 1.13
